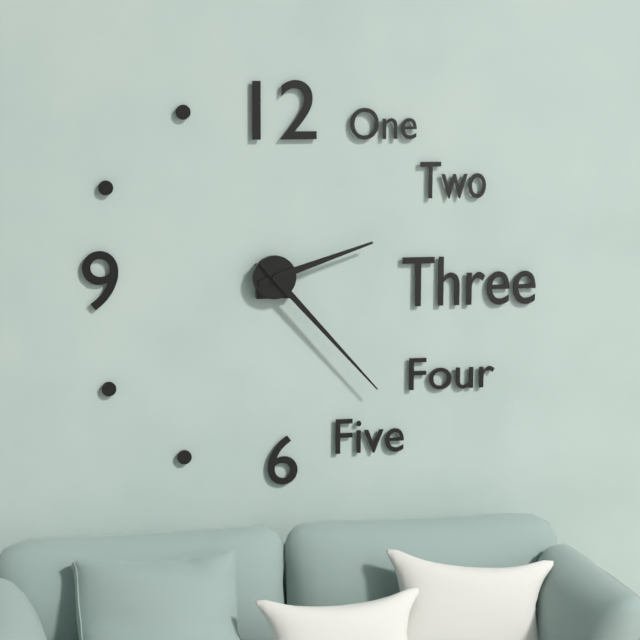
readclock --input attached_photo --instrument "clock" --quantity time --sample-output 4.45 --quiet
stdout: 2.23
